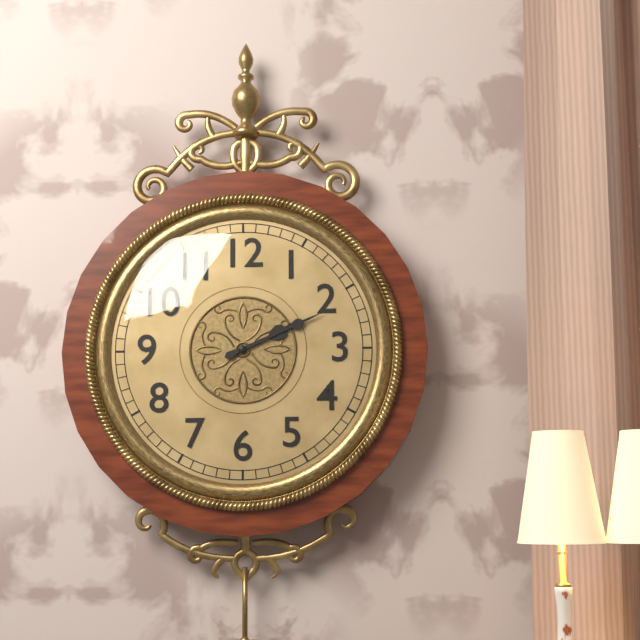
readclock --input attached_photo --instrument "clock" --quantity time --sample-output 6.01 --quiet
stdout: 2.11
